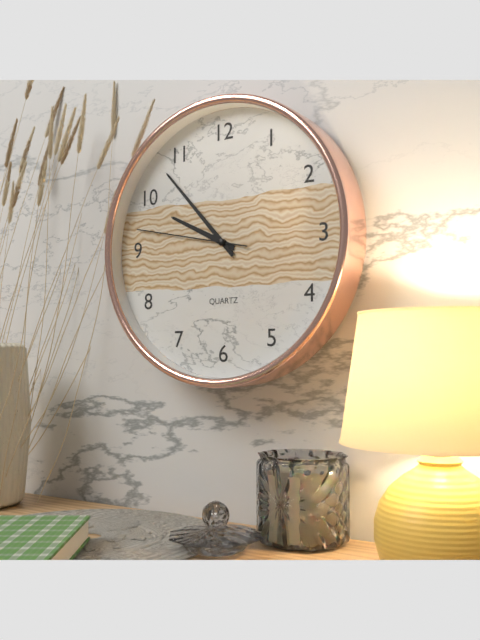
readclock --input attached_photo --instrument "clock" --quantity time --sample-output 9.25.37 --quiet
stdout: 9.53.47
